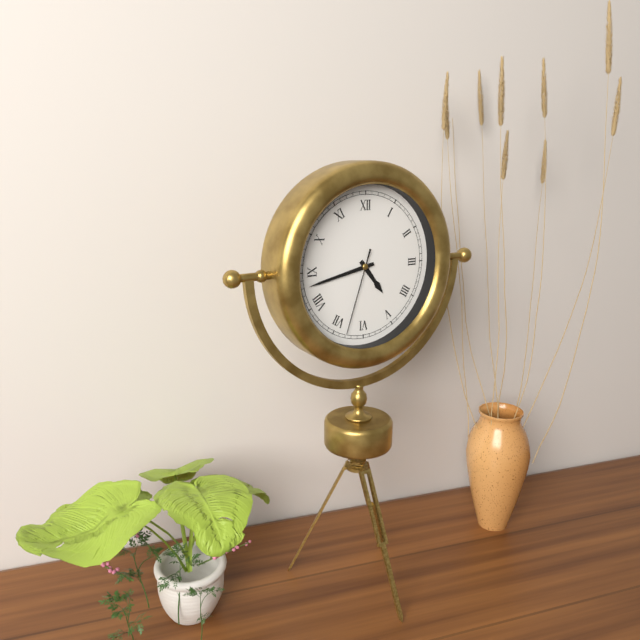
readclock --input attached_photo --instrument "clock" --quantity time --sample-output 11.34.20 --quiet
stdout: 4.43.33
